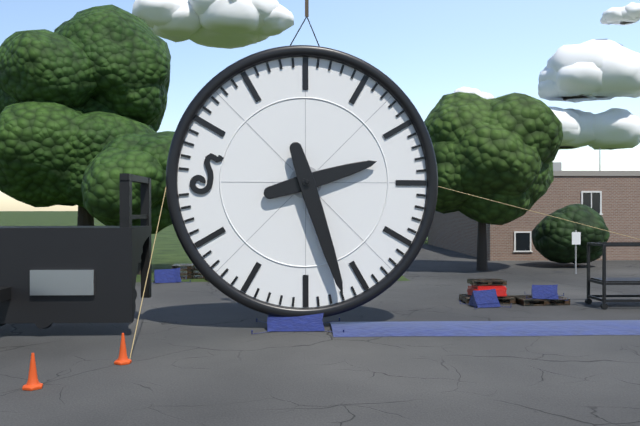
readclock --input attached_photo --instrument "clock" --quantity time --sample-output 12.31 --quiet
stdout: 2.27
